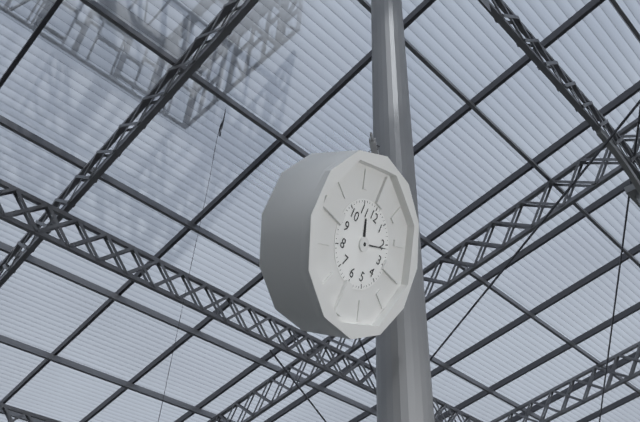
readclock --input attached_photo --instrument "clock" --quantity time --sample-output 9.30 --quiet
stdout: 11.11
